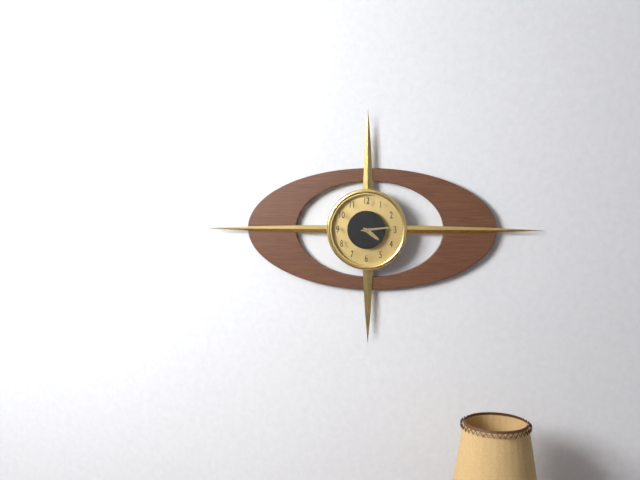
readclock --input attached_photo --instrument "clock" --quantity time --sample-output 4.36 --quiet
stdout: 4.14
